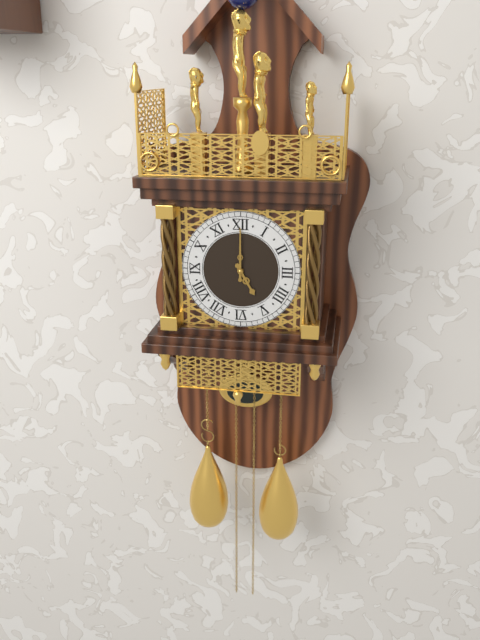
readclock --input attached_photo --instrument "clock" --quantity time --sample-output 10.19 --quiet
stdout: 5.00
